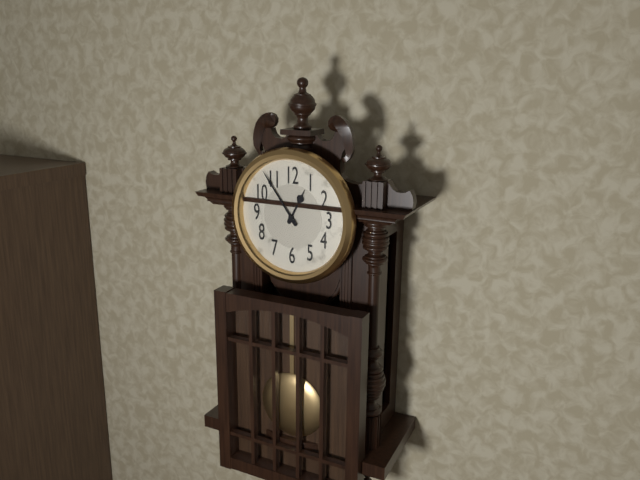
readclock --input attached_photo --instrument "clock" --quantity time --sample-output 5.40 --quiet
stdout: 12.54
